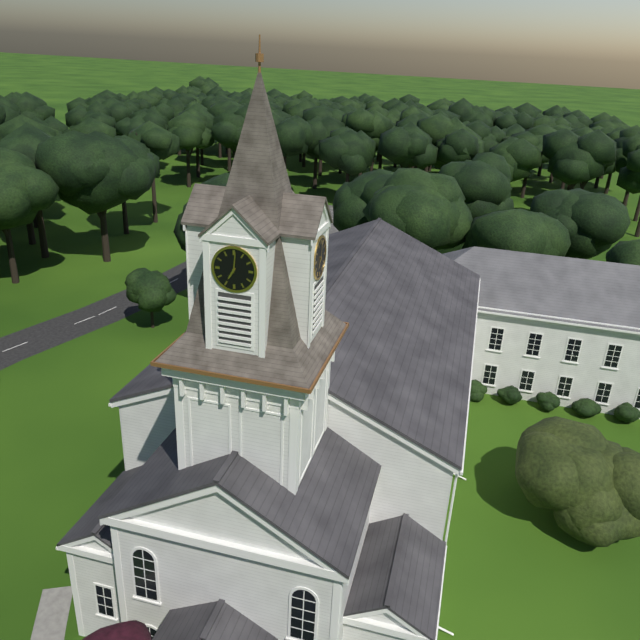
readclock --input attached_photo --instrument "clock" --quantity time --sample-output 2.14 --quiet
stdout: 7.01
